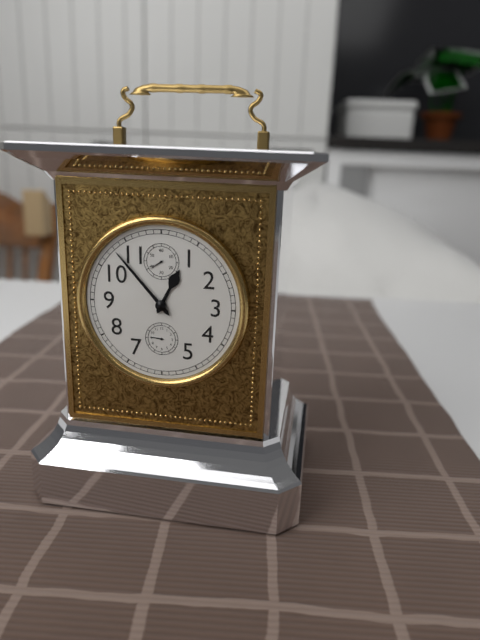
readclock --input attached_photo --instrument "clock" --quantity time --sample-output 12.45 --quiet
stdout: 12.53
